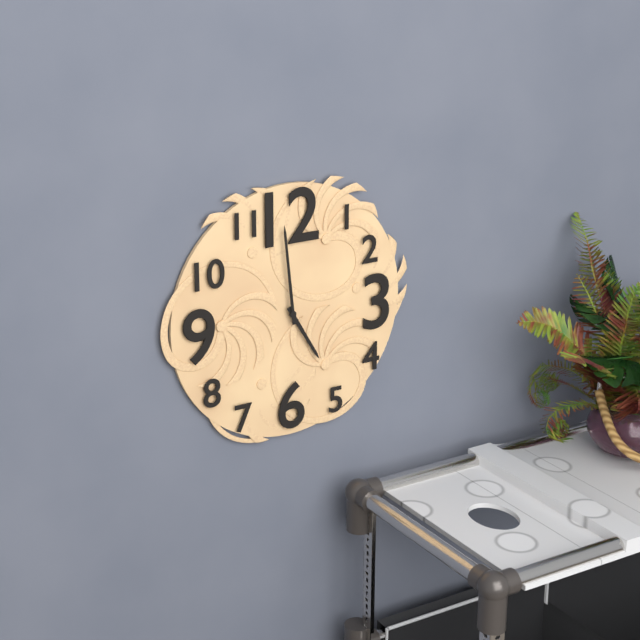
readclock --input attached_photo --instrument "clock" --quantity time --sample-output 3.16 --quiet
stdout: 4.59
